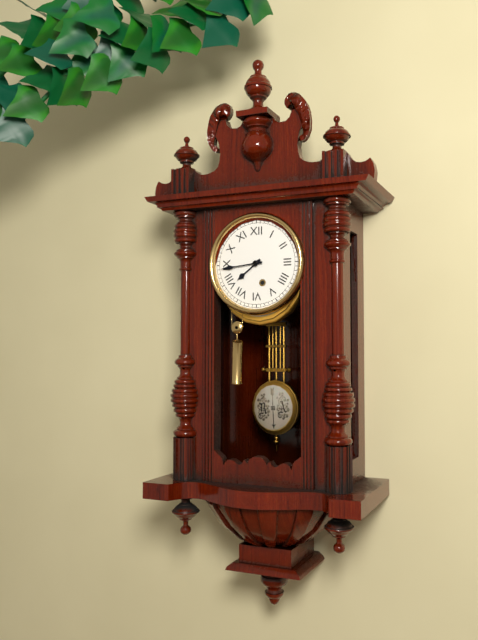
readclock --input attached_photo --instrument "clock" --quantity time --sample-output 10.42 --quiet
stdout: 7.44
